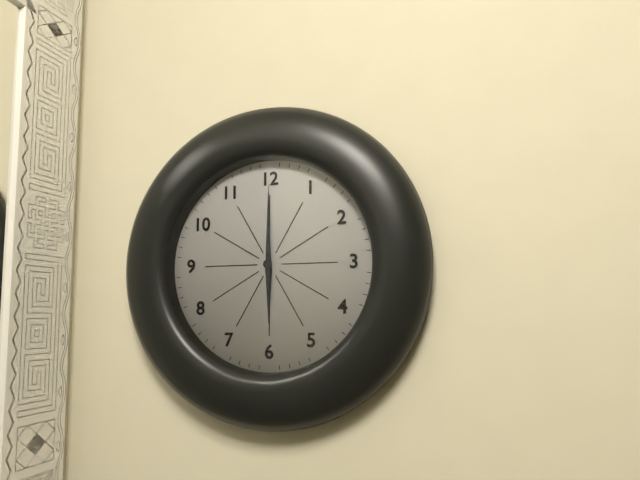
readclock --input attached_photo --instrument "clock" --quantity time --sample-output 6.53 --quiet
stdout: 6.00
